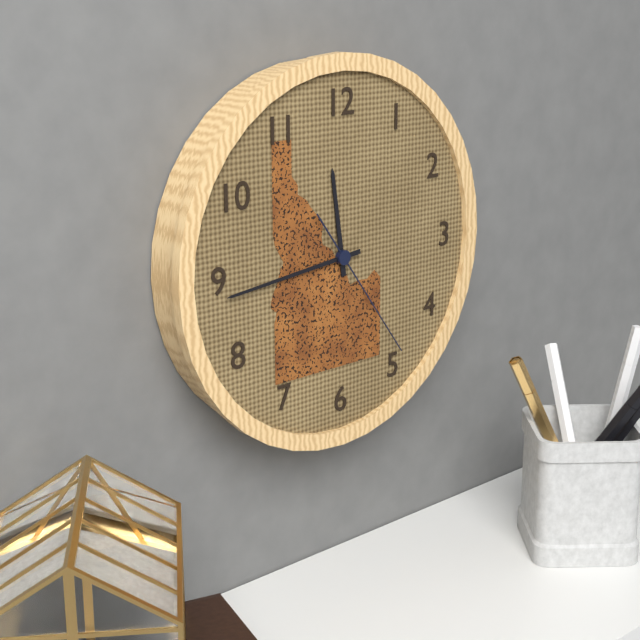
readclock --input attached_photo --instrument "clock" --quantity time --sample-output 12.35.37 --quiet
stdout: 11.44.24
